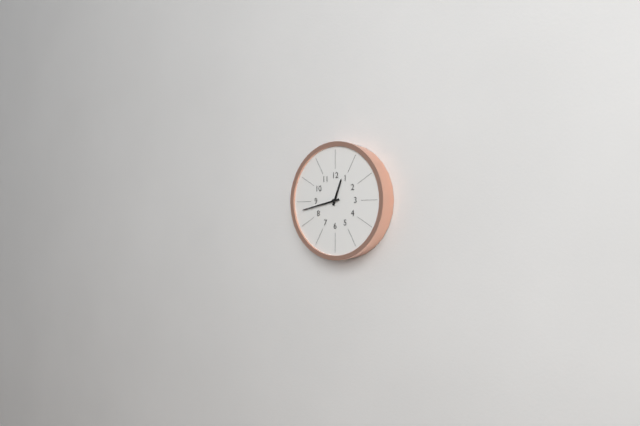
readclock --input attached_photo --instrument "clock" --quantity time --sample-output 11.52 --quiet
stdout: 12.43
